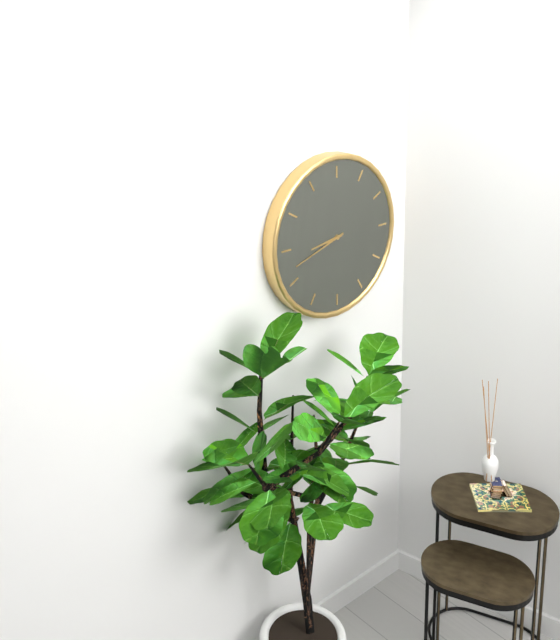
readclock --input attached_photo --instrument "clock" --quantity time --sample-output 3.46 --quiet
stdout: 8.42
